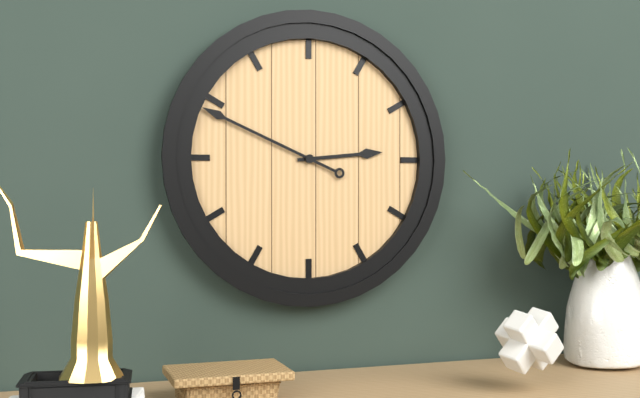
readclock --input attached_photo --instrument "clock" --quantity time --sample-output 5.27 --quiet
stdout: 2.49
